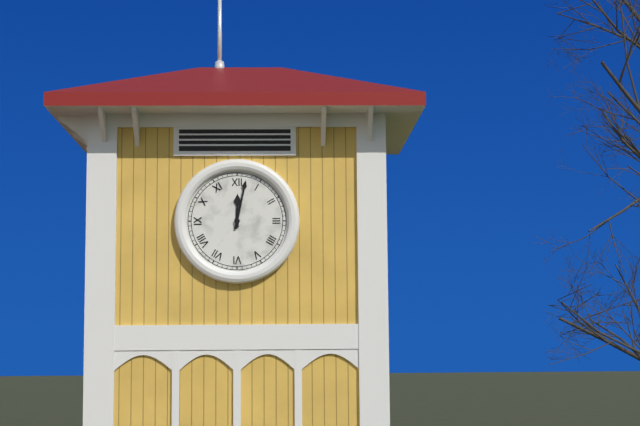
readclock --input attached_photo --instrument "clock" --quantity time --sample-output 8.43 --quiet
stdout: 12.02
